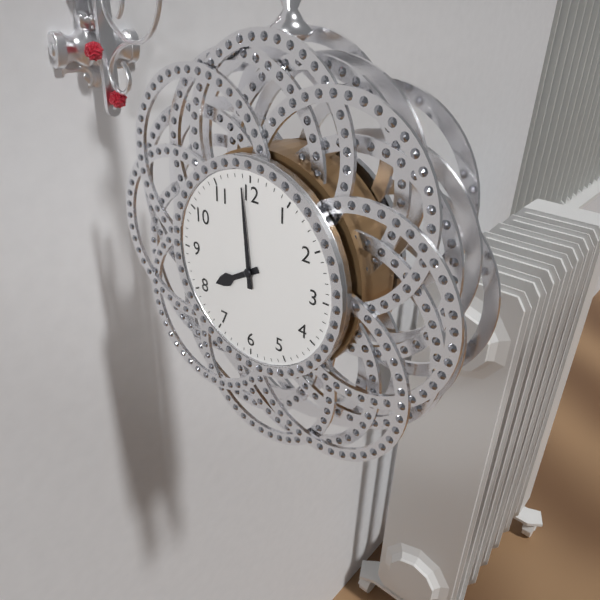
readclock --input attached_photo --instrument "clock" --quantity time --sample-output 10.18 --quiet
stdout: 7.59
